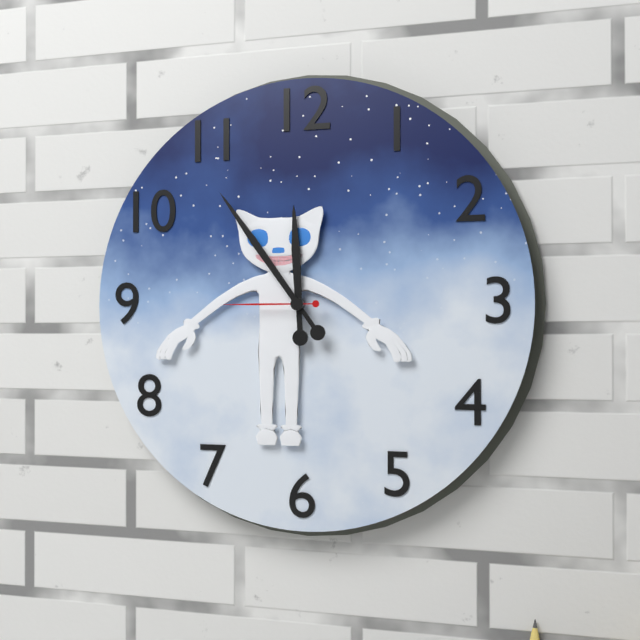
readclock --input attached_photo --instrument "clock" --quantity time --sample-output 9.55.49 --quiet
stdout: 11.54.45
